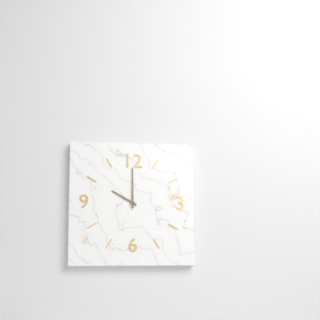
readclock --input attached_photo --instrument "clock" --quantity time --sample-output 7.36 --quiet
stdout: 10.00
